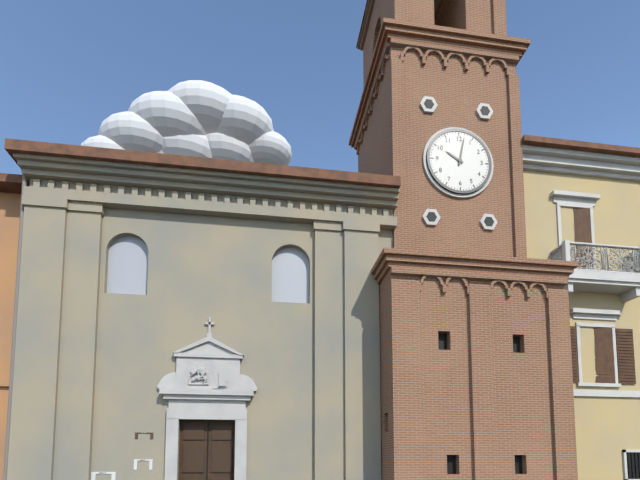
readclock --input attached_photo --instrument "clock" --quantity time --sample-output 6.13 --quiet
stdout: 10.02
